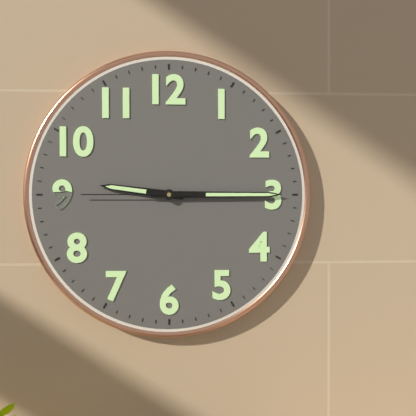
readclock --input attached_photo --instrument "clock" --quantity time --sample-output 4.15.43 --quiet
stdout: 9.15.45
